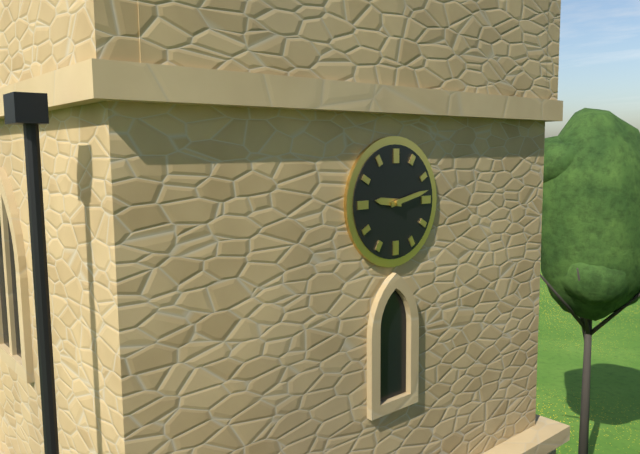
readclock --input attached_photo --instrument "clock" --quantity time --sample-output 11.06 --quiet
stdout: 9.13
